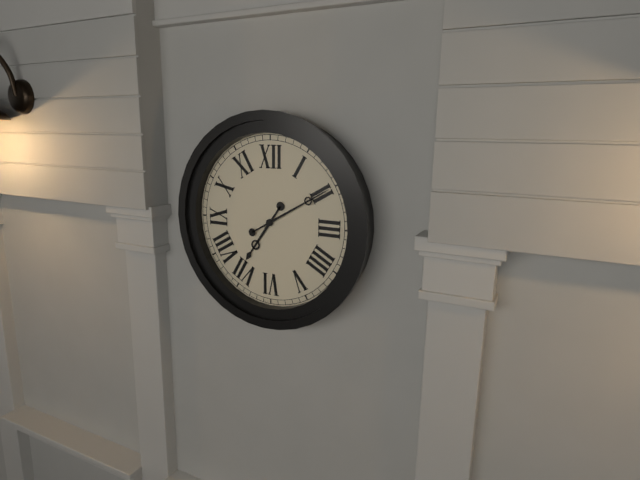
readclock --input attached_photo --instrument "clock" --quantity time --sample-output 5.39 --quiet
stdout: 7.10
